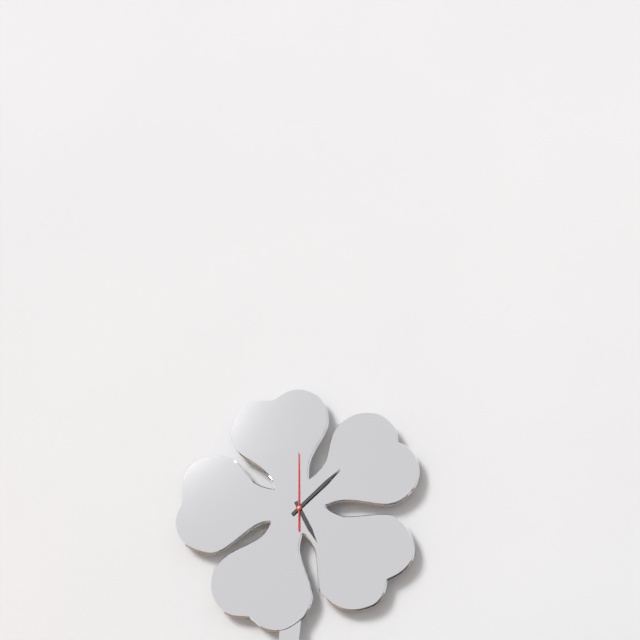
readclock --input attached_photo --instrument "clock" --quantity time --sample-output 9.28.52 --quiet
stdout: 5.08.00
